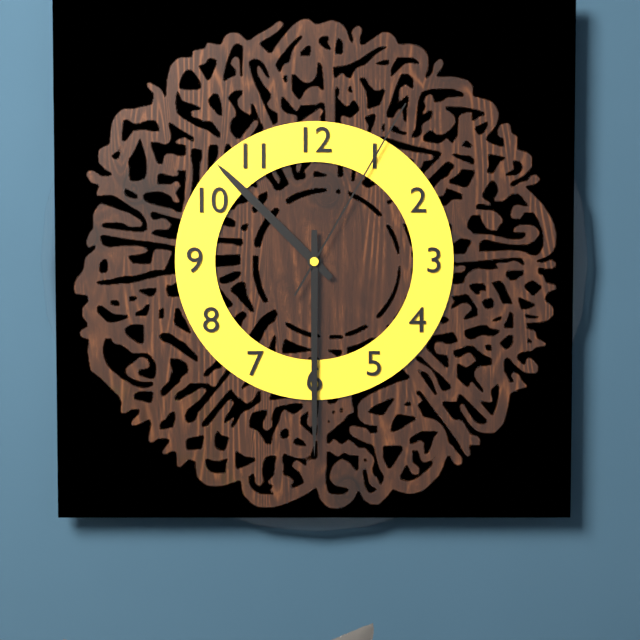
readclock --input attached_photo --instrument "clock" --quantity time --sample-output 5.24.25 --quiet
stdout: 10.30.05
